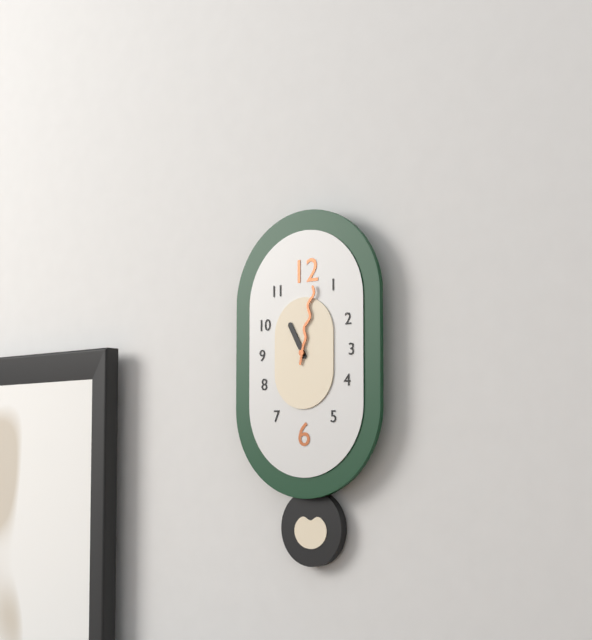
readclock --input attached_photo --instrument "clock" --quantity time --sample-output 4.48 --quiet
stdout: 11.02
